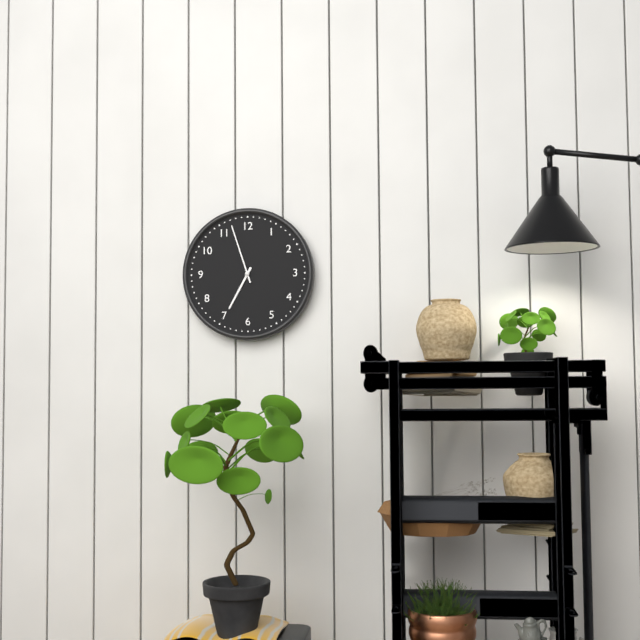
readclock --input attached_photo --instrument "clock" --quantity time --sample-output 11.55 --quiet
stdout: 6.57
